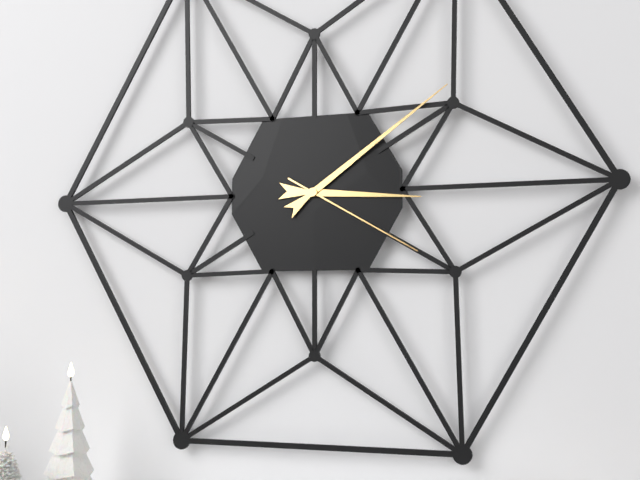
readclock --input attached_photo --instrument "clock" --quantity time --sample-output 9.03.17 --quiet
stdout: 3.09.20
